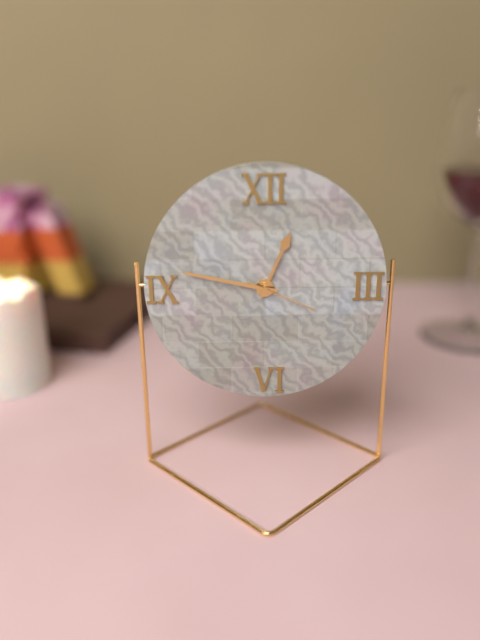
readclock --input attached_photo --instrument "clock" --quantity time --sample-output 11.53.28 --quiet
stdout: 12.47.19
